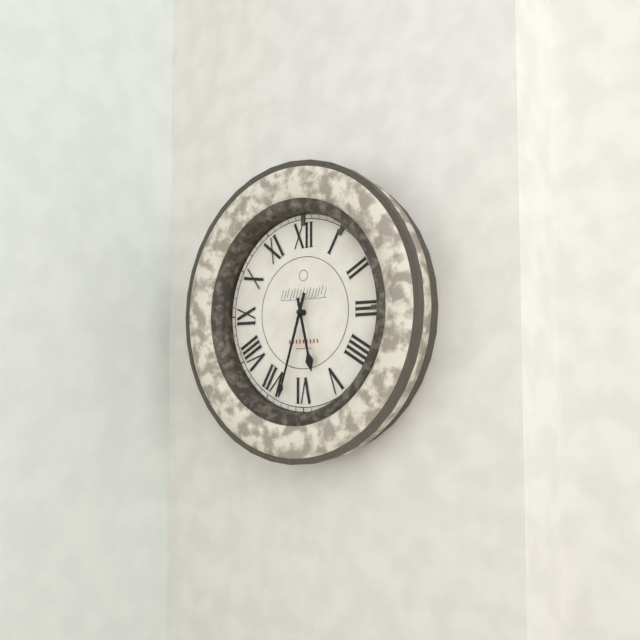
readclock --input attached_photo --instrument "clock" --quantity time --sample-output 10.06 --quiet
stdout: 5.33
